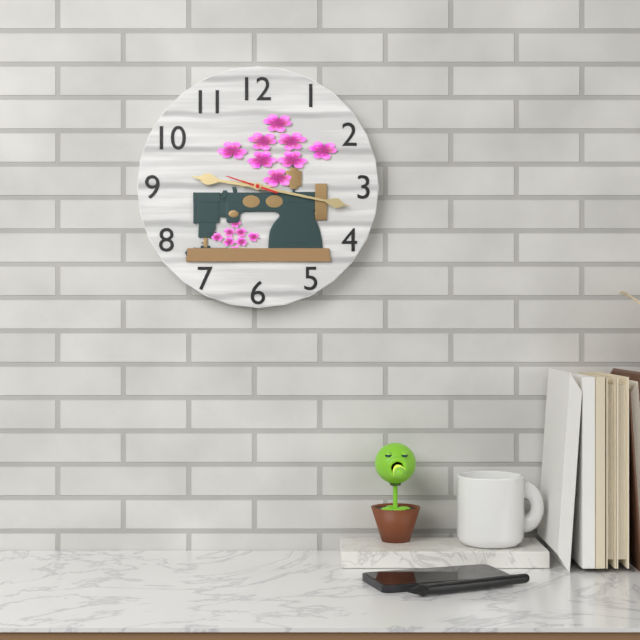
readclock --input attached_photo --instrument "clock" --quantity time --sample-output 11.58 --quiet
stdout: 9.17
